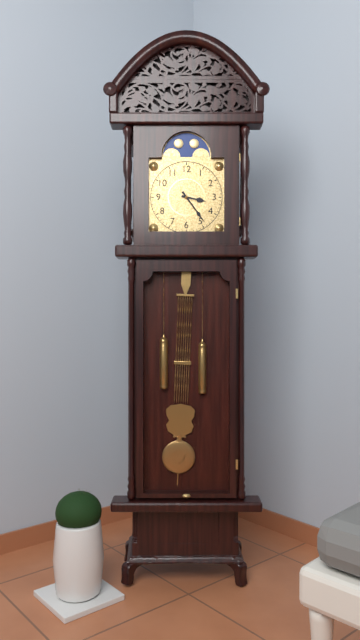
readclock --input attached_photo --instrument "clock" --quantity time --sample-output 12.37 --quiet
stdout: 3.24
